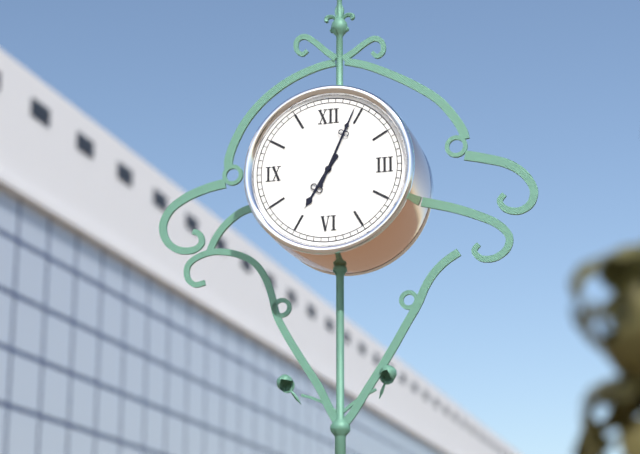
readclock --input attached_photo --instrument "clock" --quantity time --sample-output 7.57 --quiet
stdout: 7.04
